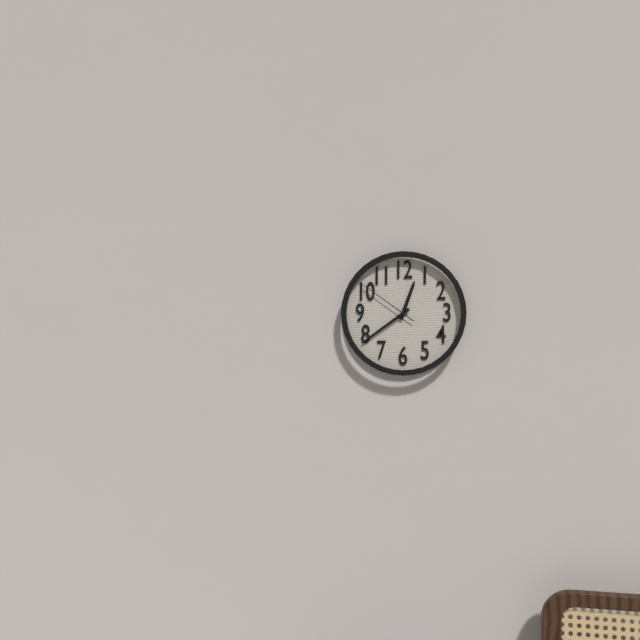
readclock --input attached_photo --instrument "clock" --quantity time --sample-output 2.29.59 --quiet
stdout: 12.39.51
